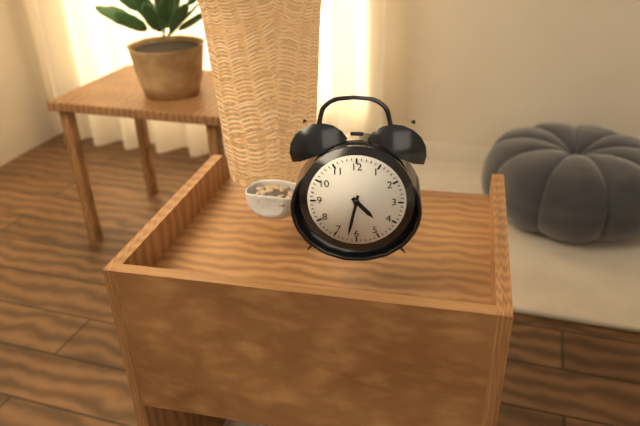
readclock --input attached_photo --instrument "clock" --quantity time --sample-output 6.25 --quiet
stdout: 4.32
